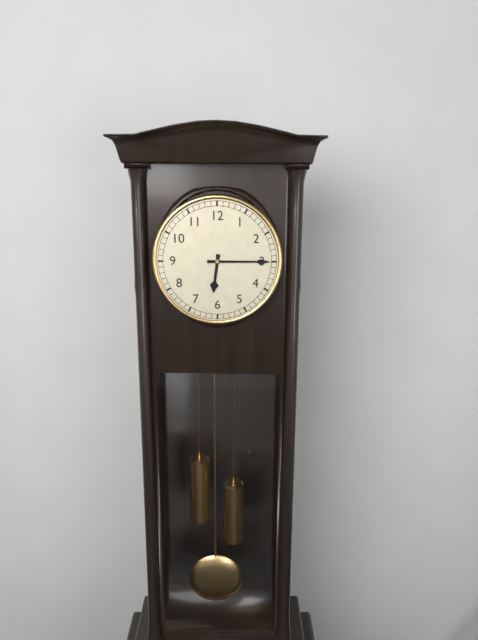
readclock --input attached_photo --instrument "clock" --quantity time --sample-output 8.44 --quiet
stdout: 6.15
